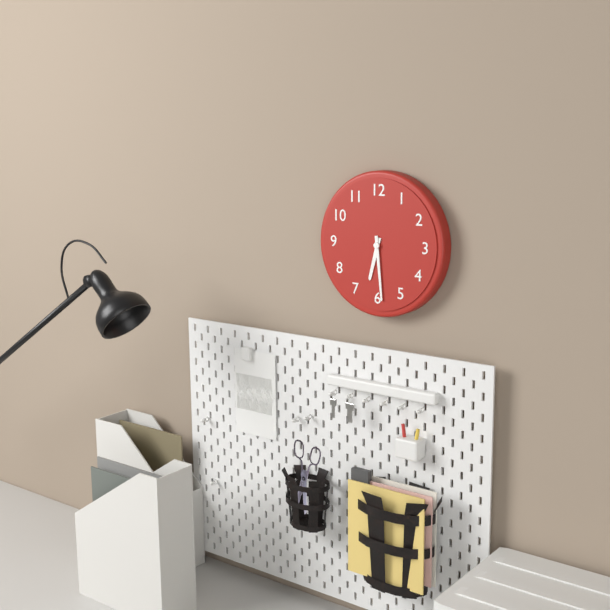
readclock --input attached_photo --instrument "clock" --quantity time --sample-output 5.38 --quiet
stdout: 6.29
